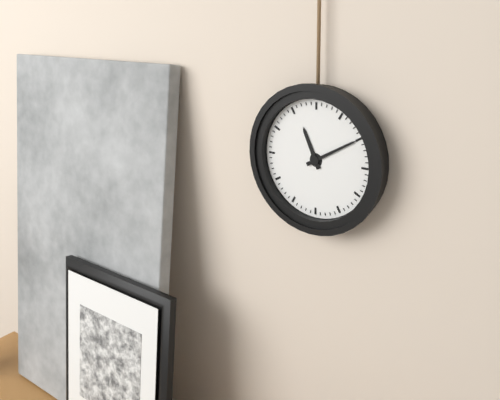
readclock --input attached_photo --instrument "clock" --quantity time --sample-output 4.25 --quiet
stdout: 11.10
